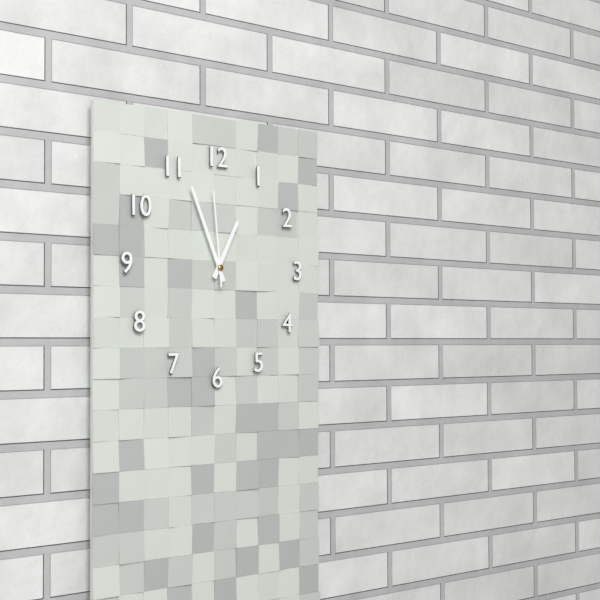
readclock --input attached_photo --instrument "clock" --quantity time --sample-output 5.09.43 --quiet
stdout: 12.56.59
